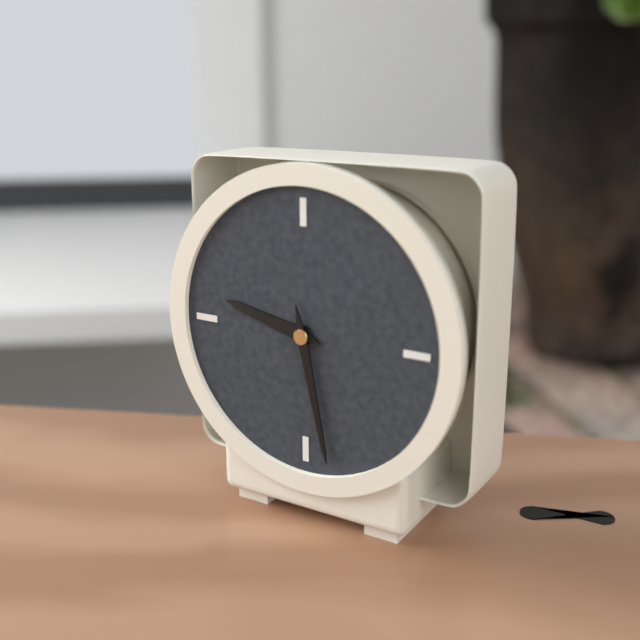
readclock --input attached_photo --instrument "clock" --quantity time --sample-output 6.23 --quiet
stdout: 9.28
